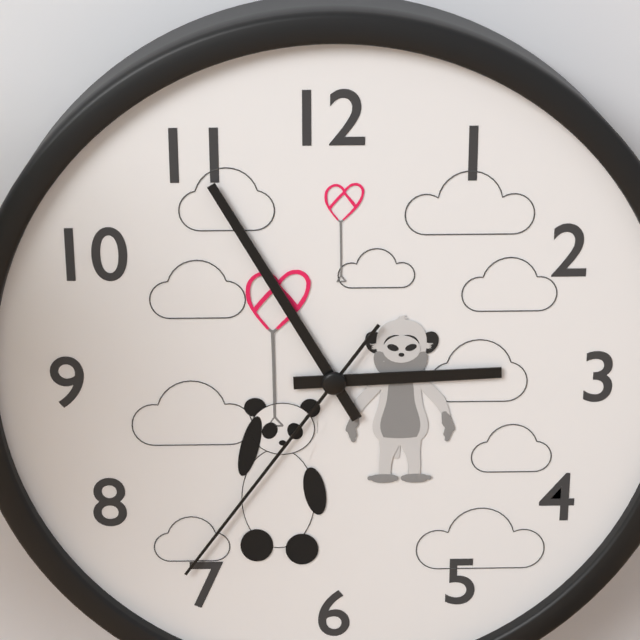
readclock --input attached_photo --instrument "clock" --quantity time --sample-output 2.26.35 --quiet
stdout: 2.55.36
